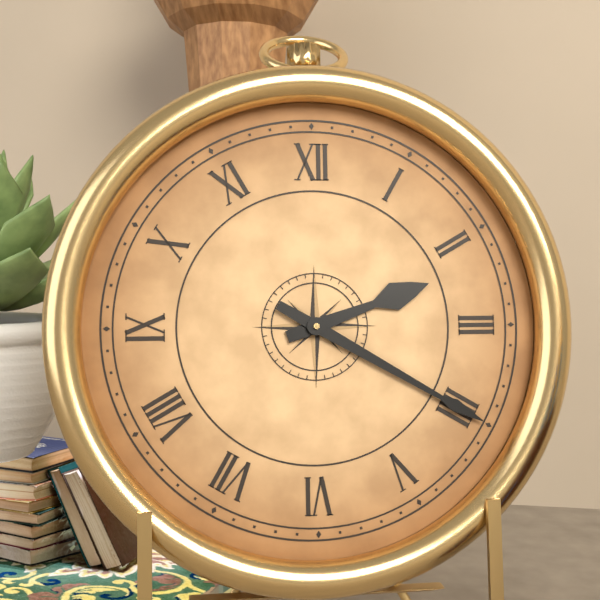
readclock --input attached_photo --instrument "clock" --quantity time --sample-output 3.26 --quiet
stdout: 2.20
